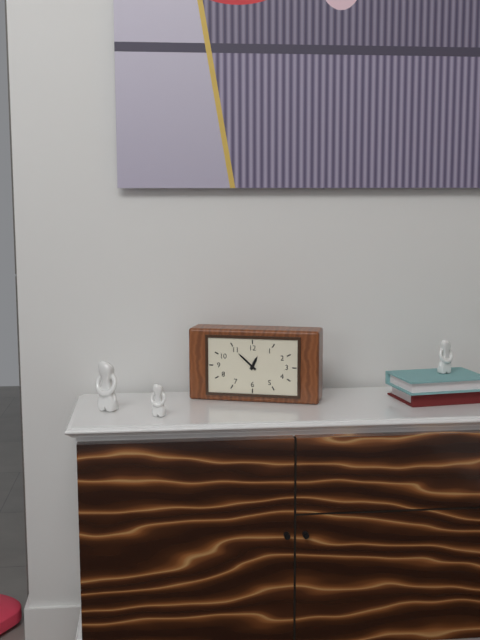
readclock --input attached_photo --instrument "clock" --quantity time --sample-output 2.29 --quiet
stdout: 12.52
